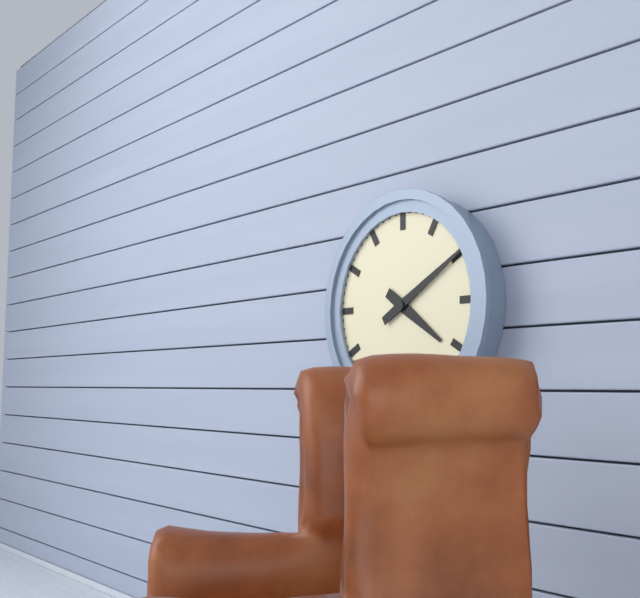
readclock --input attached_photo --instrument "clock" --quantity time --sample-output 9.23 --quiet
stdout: 4.10
